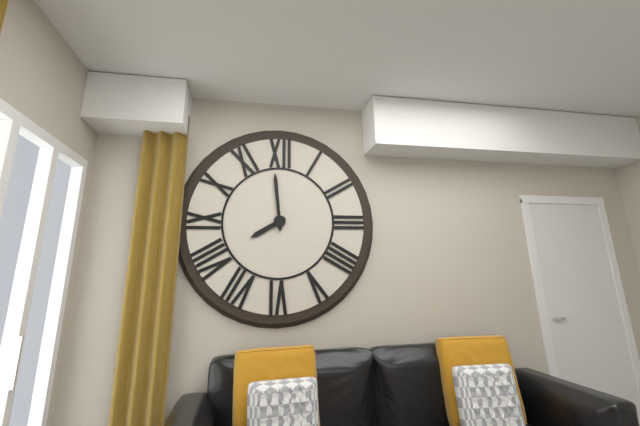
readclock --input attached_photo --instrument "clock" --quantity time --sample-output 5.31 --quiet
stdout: 7.59
